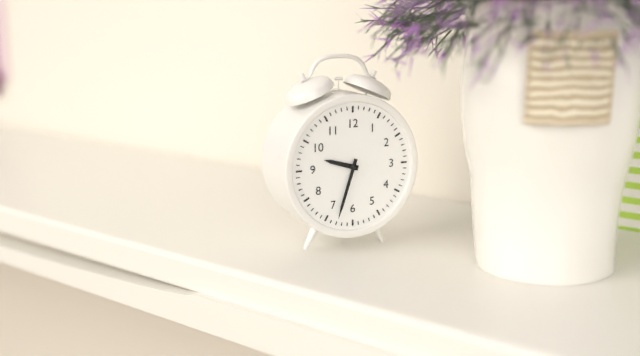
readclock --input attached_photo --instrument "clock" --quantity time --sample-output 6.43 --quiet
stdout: 9.33
